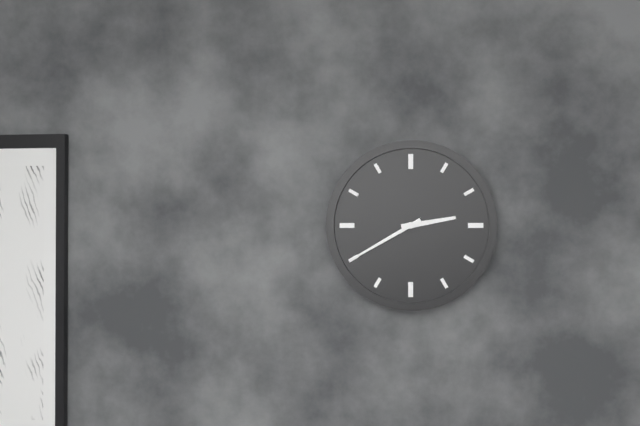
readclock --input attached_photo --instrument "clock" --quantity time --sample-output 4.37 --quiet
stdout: 2.40
